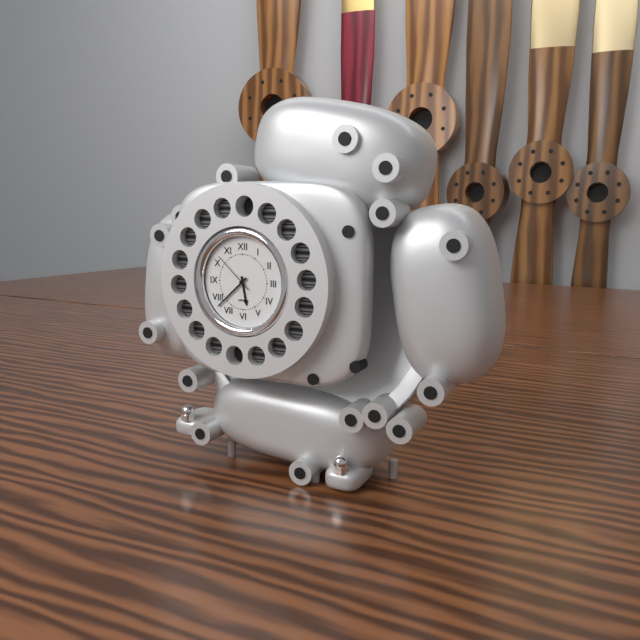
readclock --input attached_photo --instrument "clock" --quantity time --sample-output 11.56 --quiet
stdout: 5.38
